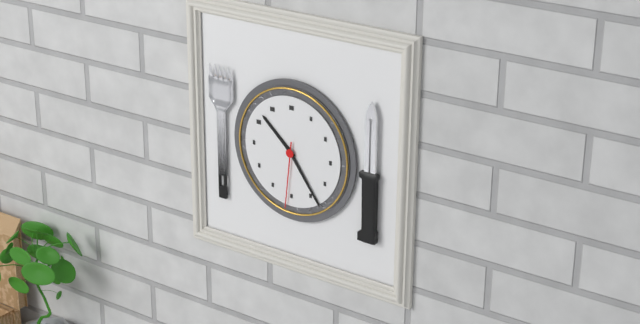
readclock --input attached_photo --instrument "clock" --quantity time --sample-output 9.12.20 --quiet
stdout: 10.24.31
